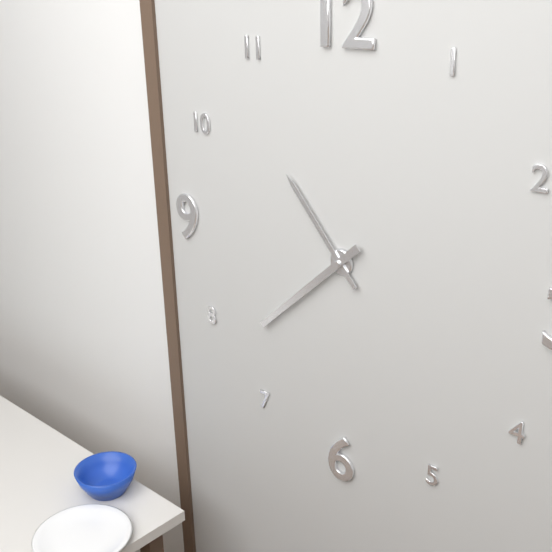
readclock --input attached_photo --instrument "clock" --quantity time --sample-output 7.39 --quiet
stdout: 10.38
